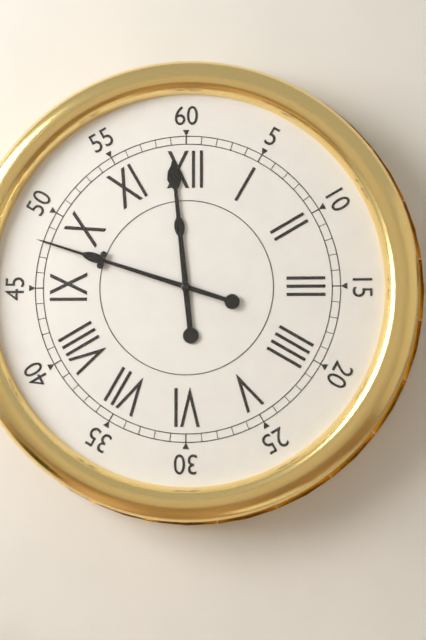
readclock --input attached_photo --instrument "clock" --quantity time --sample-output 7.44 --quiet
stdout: 11.48
